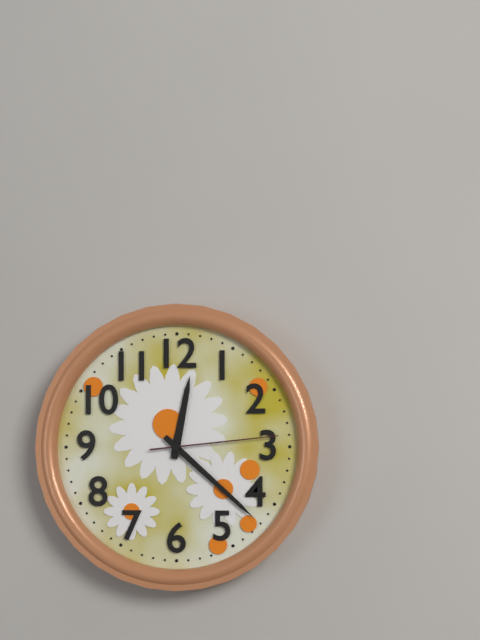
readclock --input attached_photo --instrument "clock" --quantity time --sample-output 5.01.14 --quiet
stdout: 12.22.14
